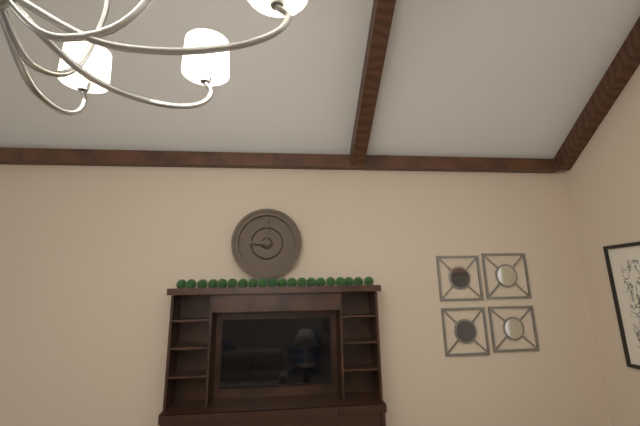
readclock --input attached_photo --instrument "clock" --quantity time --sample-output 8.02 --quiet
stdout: 9.00
